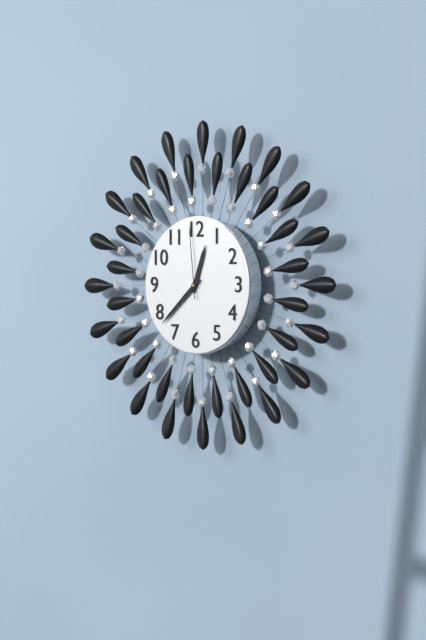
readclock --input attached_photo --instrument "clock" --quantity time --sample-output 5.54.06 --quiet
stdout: 12.38.59
